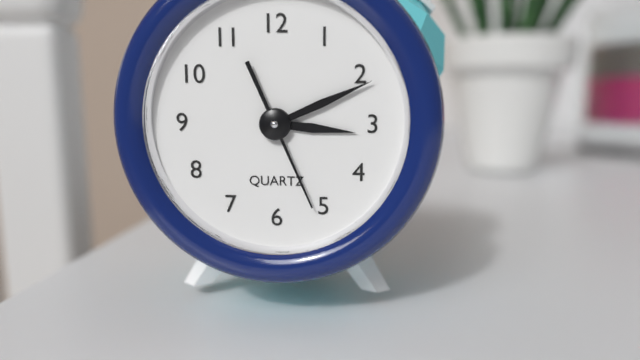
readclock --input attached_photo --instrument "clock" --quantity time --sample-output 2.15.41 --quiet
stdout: 3.11.26
